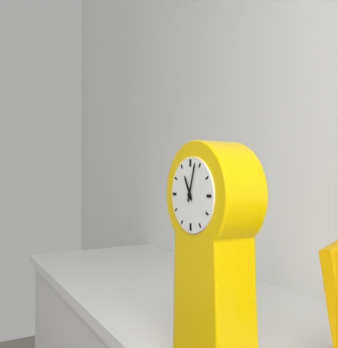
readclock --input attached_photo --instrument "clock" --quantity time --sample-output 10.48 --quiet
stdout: 11.03
